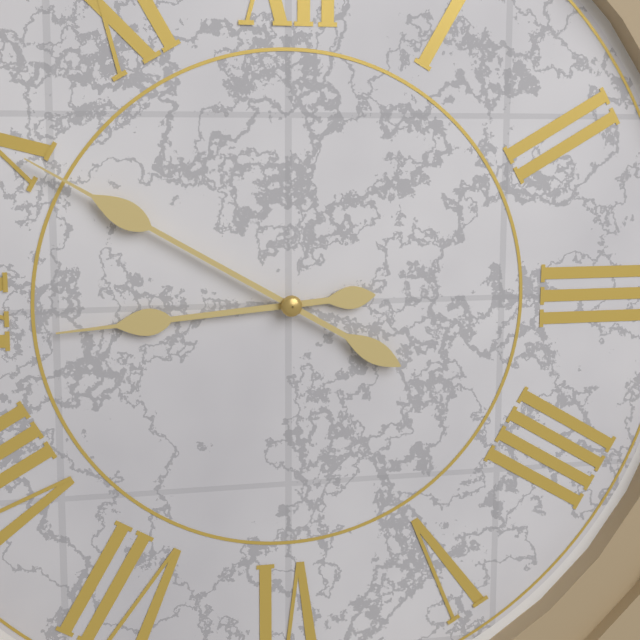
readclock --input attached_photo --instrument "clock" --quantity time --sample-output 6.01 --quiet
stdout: 8.50
